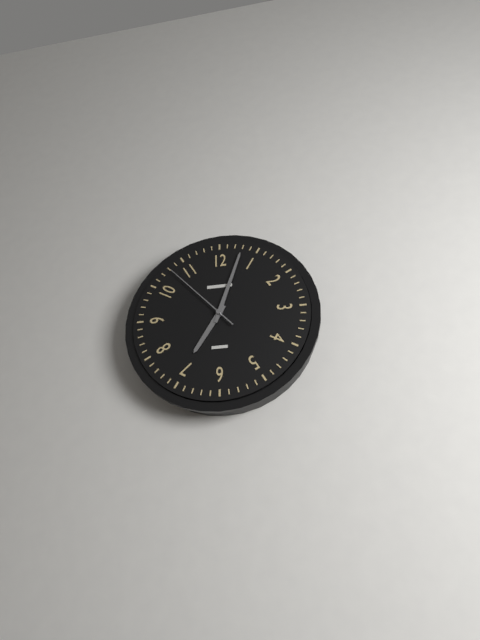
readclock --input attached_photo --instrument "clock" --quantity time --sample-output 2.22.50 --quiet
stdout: 7.03.53
